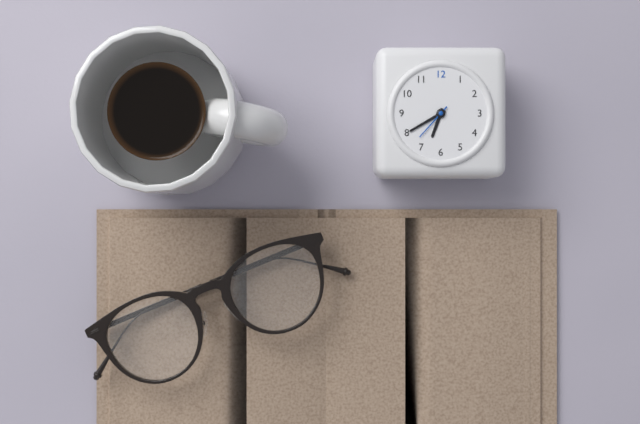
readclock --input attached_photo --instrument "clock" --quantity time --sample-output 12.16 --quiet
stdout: 6.40
